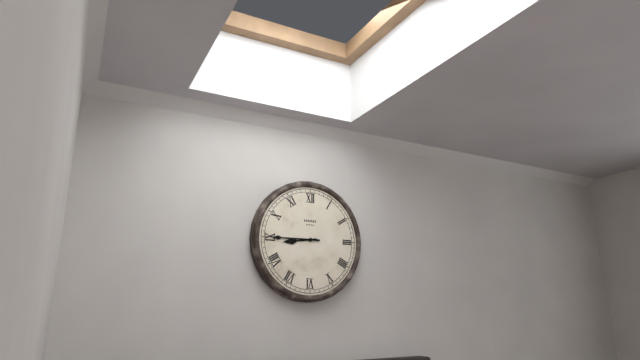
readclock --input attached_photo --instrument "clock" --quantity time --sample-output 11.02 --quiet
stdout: 8.45
